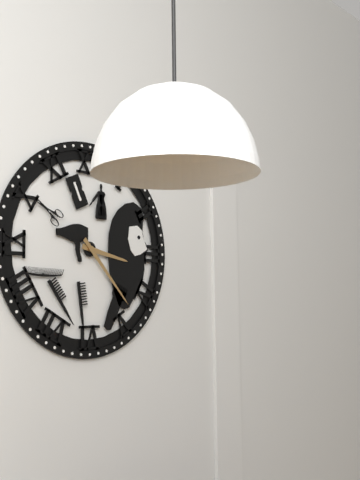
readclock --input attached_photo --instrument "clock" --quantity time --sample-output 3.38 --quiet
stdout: 3.23
